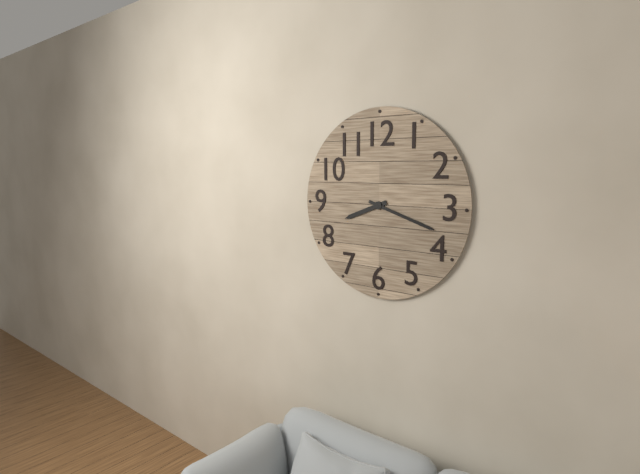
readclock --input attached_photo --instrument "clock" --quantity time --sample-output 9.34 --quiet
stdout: 8.18
